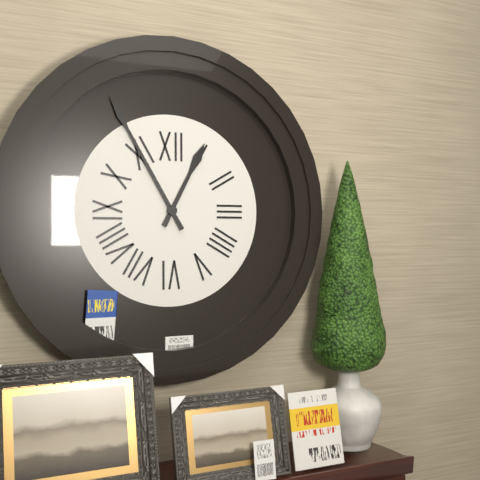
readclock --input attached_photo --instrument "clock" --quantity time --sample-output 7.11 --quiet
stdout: 12.55
